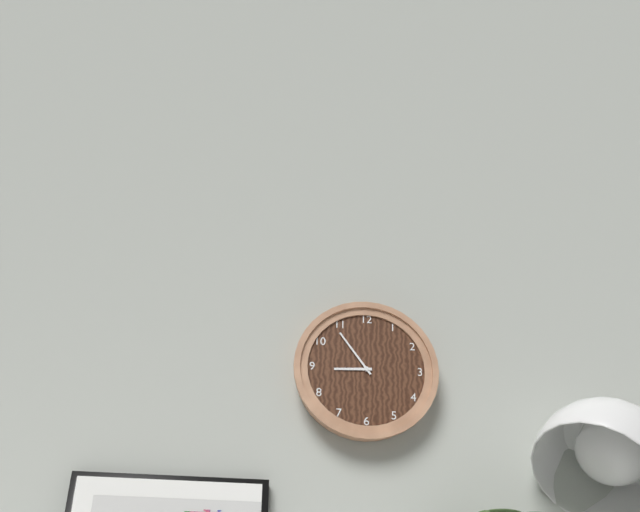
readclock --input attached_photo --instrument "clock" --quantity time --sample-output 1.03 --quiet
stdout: 8.54
